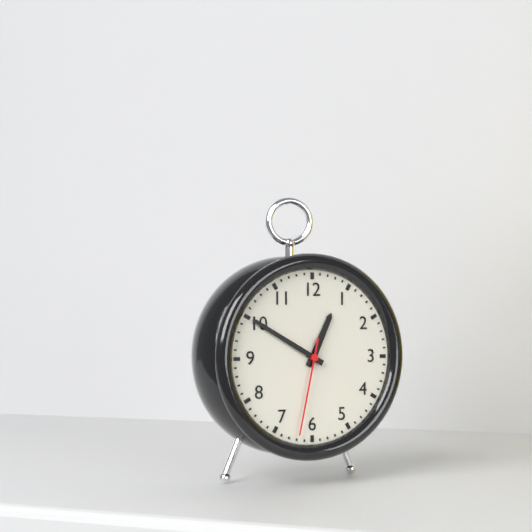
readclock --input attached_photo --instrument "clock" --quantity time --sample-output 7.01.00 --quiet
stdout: 12.50.32
